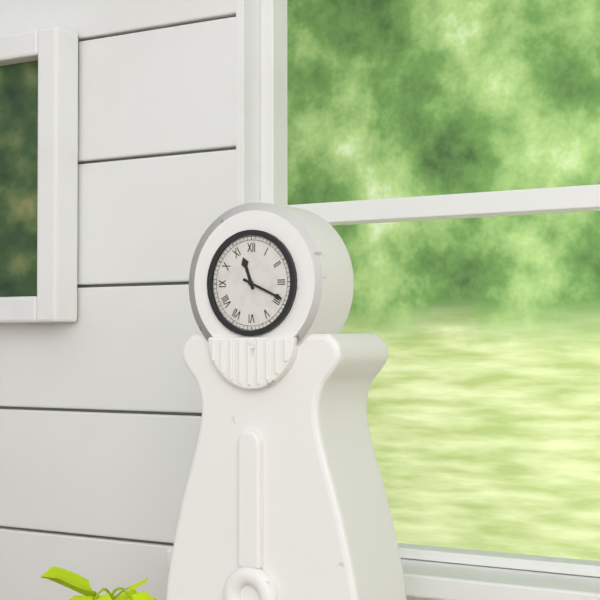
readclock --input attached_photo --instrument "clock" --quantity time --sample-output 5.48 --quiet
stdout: 11.19
